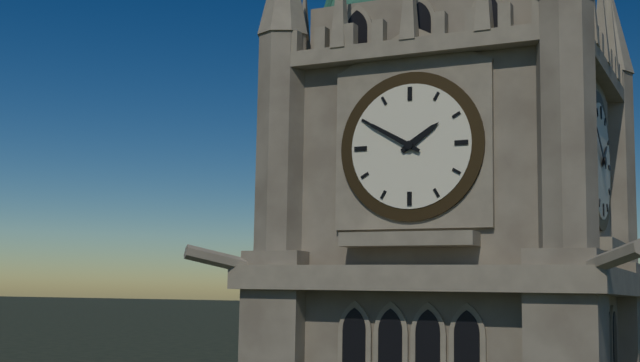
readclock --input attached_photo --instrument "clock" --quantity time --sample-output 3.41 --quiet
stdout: 1.50
